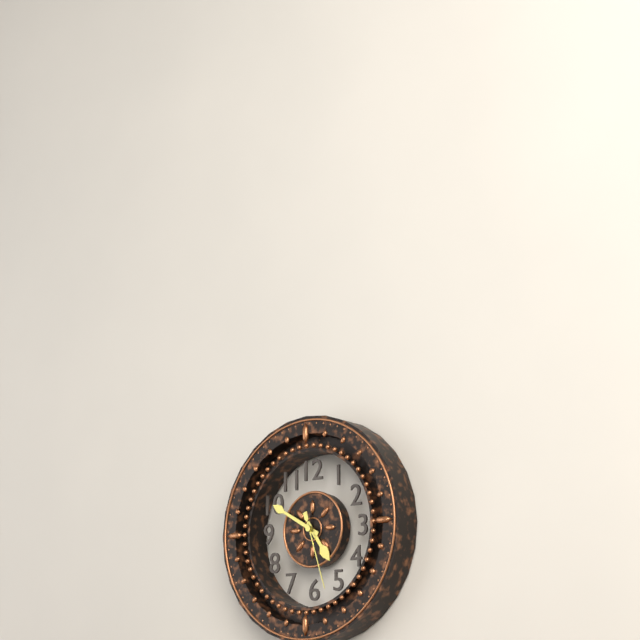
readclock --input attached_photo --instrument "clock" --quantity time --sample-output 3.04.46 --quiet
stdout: 4.50.27
